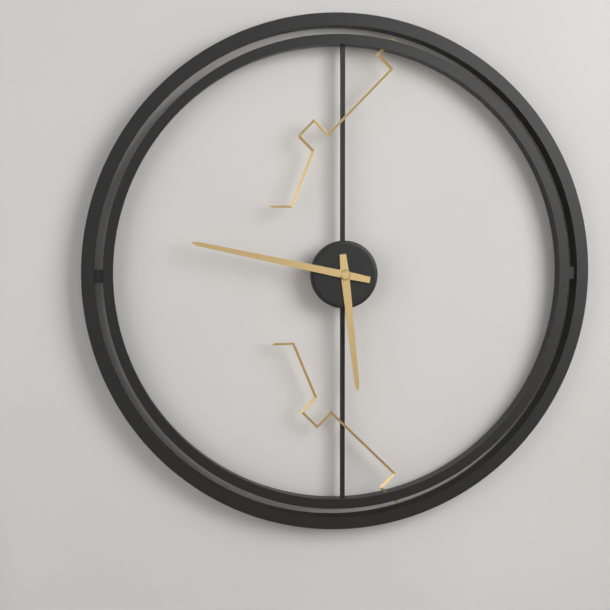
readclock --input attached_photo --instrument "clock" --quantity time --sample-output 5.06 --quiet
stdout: 5.47
